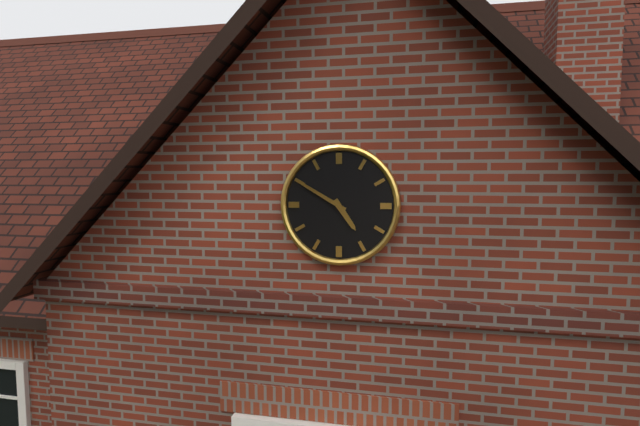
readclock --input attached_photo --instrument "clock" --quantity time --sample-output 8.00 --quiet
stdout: 4.50
